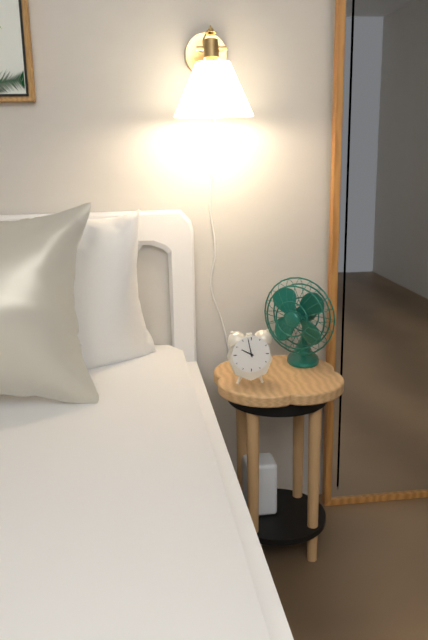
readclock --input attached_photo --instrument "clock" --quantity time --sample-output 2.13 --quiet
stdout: 9.58
